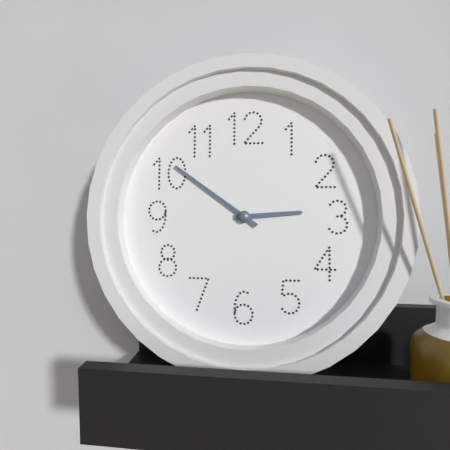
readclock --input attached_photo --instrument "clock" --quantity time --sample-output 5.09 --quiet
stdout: 2.51
